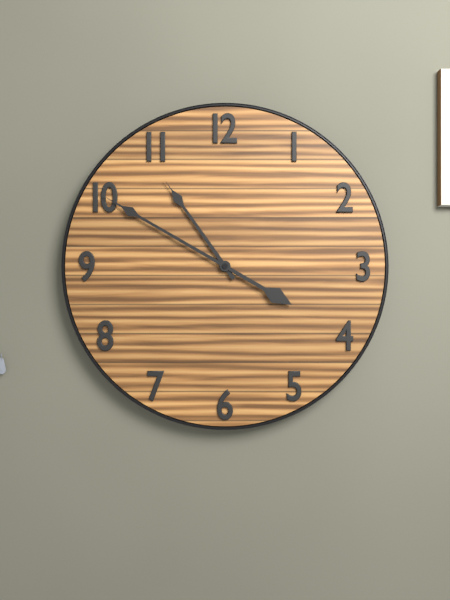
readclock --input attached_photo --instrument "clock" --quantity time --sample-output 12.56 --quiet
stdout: 10.50
